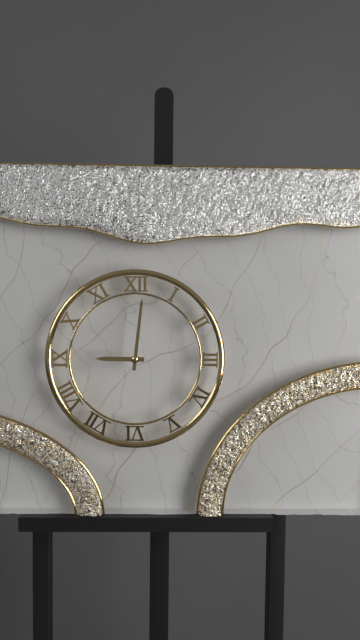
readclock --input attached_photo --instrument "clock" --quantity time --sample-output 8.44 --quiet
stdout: 9.01
